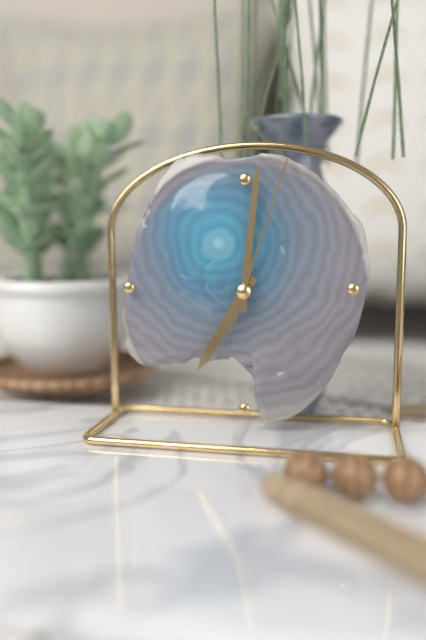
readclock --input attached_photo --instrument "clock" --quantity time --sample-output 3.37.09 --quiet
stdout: 7.01.03
